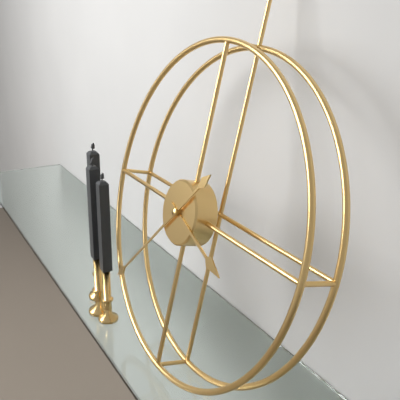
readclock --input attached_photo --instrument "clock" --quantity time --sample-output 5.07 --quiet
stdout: 3.37
